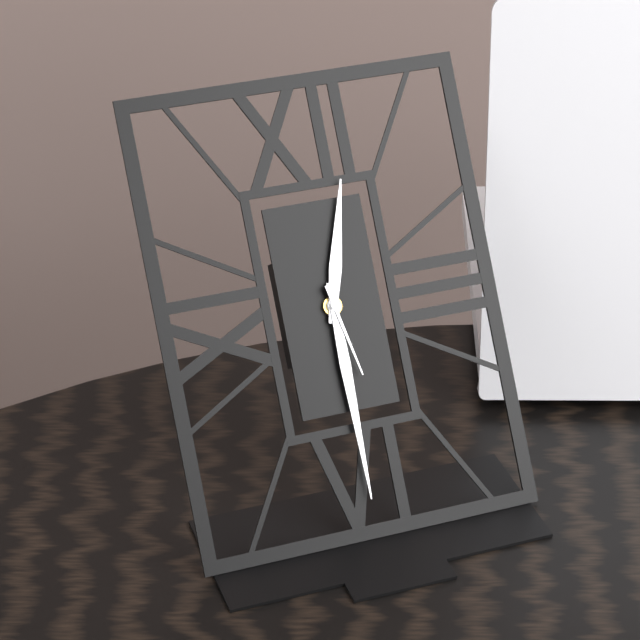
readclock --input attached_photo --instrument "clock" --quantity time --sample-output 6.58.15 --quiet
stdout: 12.30.28
